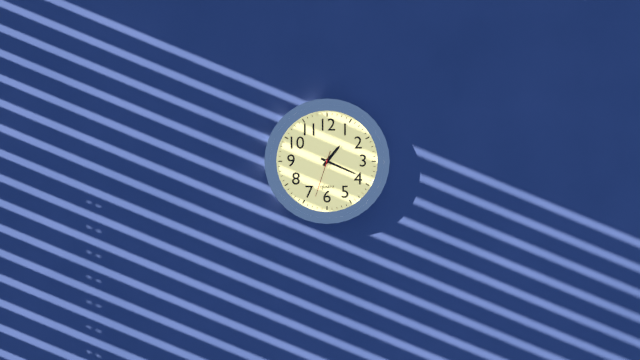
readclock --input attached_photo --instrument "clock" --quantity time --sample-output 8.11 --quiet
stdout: 1.19
